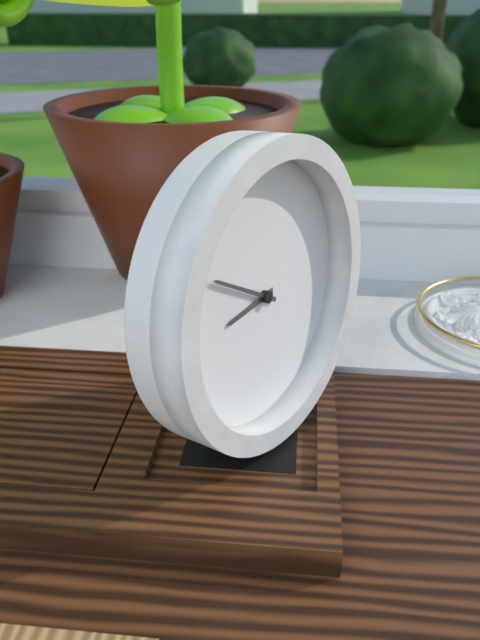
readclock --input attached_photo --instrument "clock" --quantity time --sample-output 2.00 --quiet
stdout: 8.50
